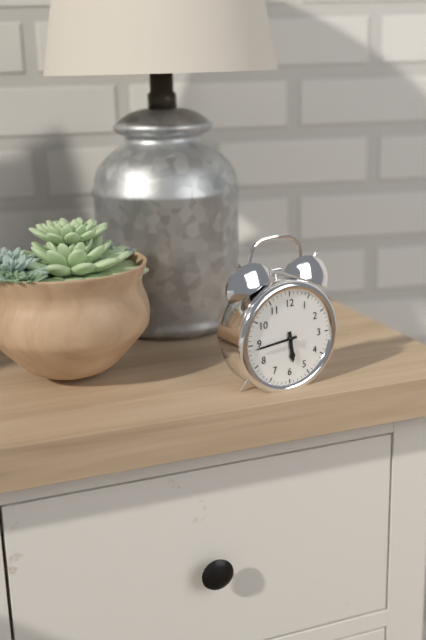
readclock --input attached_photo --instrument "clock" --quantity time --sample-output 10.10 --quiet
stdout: 5.44
